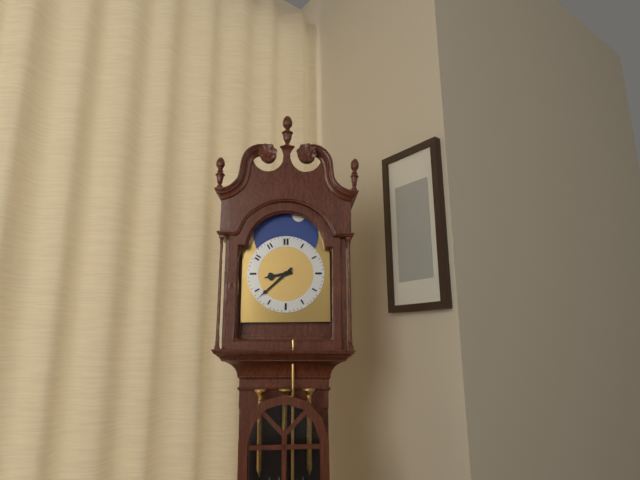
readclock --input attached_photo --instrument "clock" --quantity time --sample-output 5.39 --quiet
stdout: 8.38
